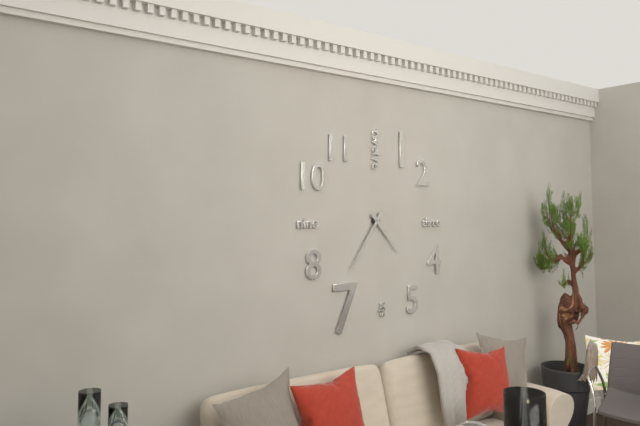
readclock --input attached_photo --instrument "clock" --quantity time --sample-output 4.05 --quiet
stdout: 4.36
